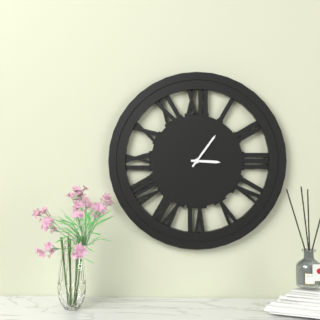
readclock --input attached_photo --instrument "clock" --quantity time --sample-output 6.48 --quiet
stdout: 3.06
